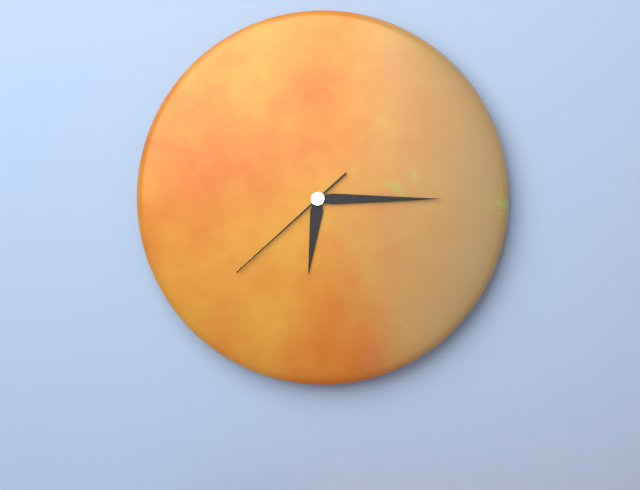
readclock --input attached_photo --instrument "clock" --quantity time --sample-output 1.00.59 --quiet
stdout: 6.15.38
